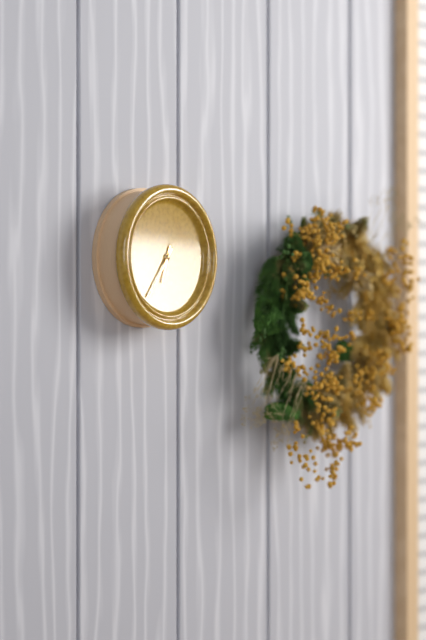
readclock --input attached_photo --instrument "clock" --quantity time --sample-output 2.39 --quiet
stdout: 6.36
